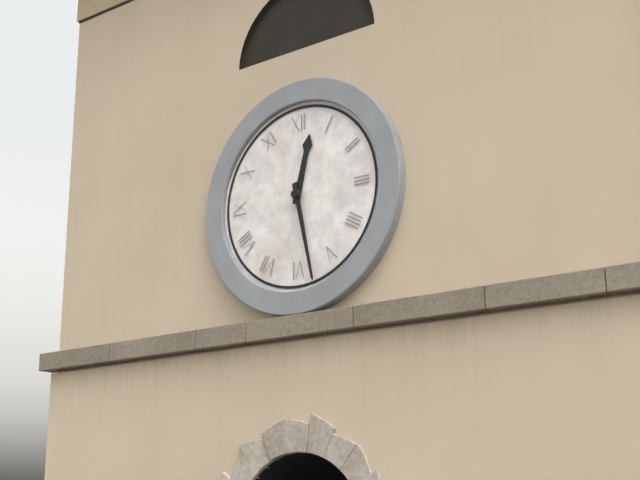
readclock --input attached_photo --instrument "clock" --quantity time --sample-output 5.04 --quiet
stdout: 12.28
